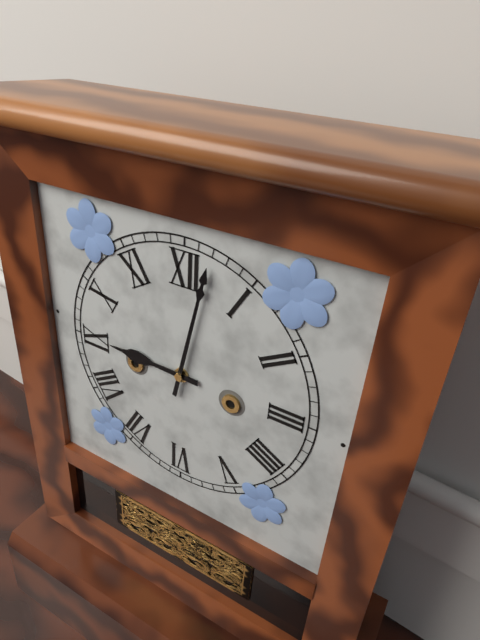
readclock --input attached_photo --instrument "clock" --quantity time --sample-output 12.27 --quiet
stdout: 9.02
